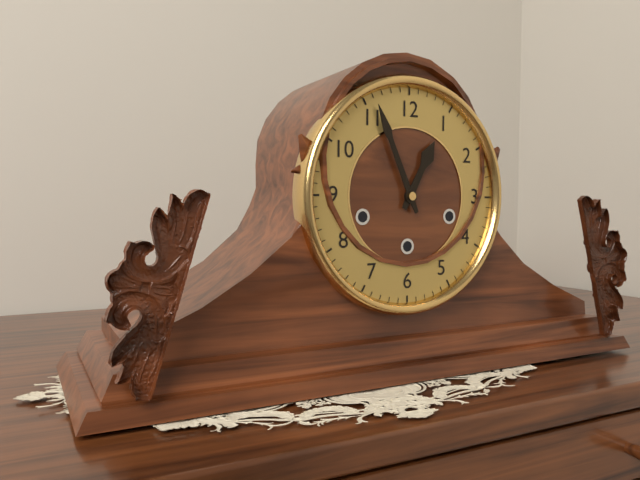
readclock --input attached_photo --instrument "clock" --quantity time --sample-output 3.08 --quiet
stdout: 12.56
